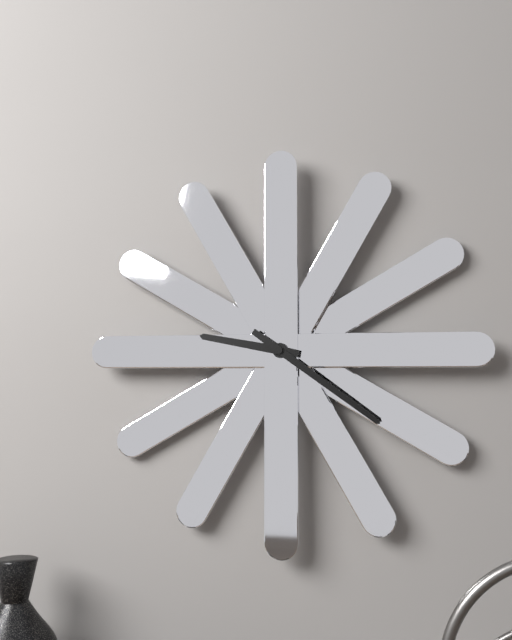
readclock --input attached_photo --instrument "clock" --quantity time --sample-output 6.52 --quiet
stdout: 9.21
